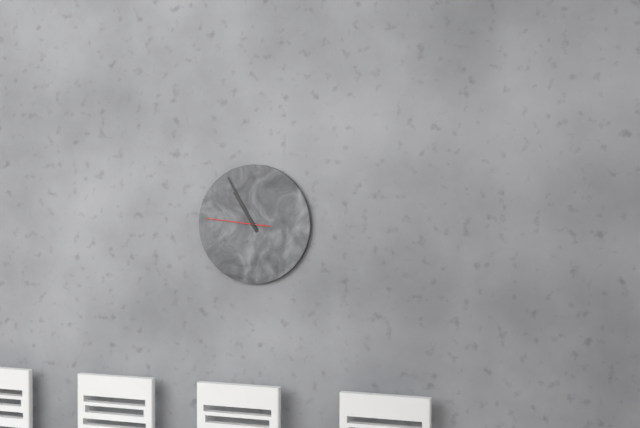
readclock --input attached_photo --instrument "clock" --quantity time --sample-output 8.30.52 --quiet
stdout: 10.55.46
